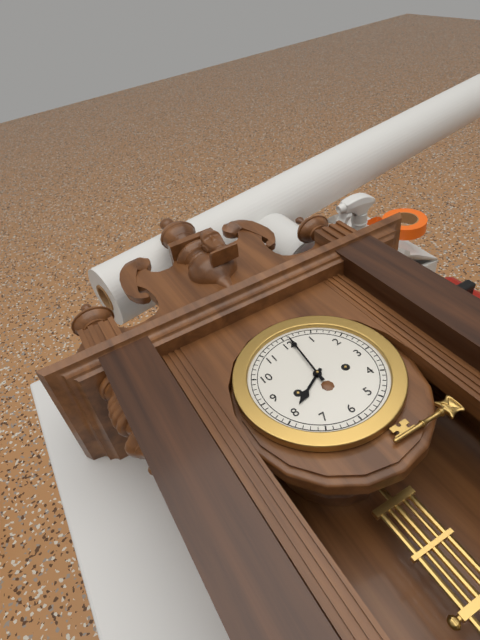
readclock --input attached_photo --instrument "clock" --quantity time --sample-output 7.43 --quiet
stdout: 8.01
